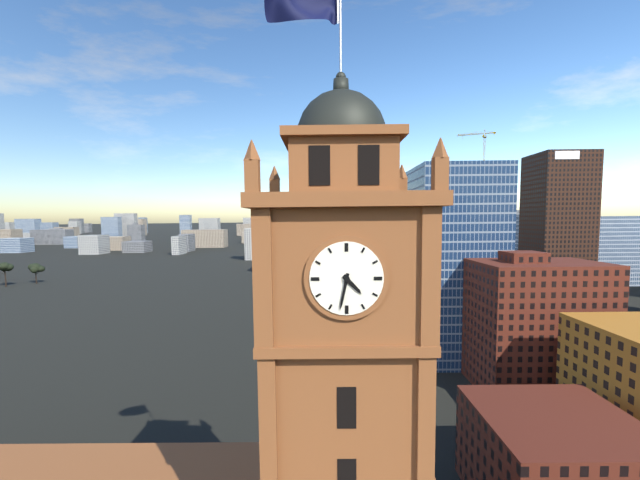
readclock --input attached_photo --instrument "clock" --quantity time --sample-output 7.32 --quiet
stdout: 4.32
